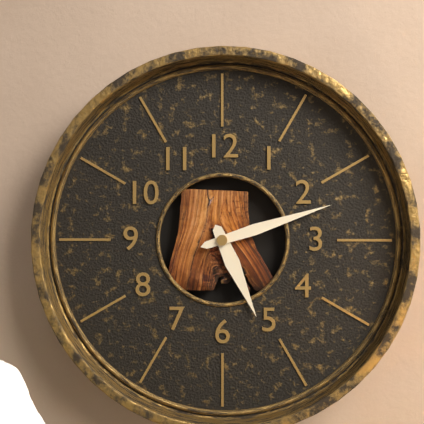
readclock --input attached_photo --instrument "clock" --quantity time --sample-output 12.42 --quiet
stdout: 5.12
